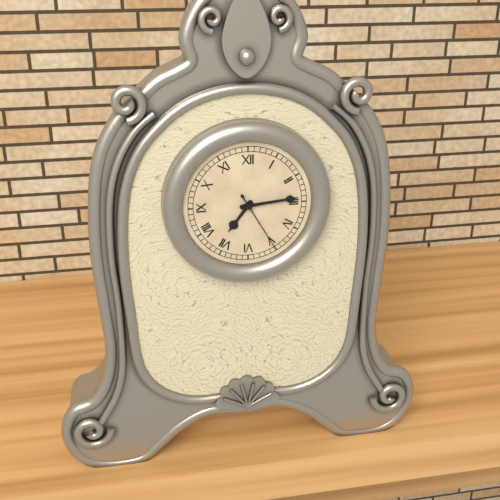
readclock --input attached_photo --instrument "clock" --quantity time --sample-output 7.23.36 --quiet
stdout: 7.14.25
